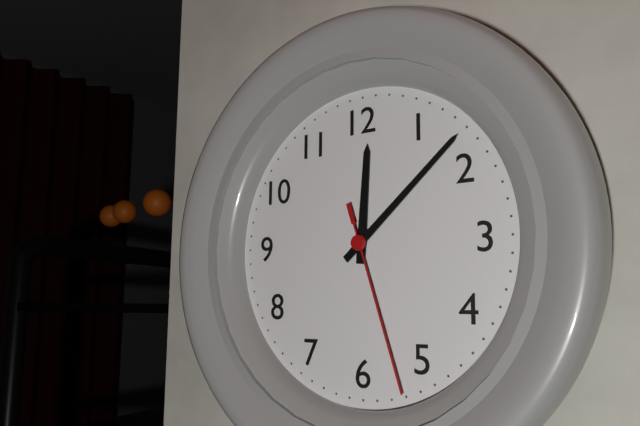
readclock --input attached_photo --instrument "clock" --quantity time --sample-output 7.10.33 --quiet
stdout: 12.08.27
